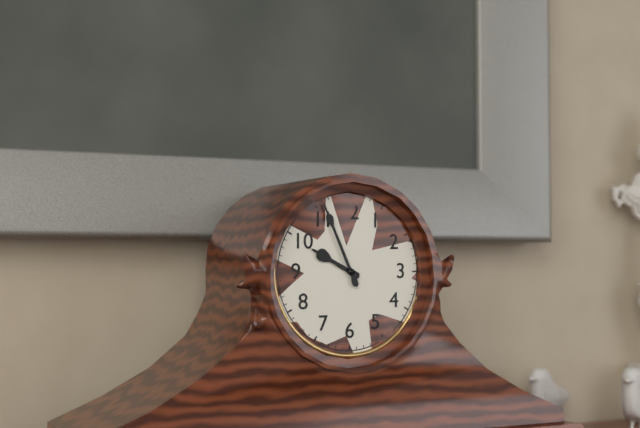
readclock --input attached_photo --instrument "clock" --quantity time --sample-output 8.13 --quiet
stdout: 9.56
